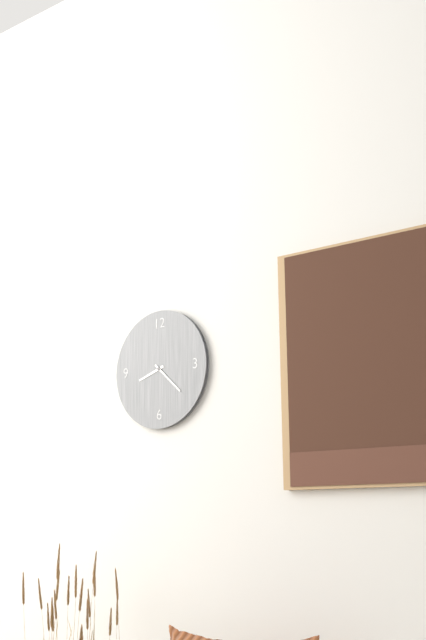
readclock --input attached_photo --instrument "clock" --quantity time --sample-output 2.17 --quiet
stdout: 8.22
